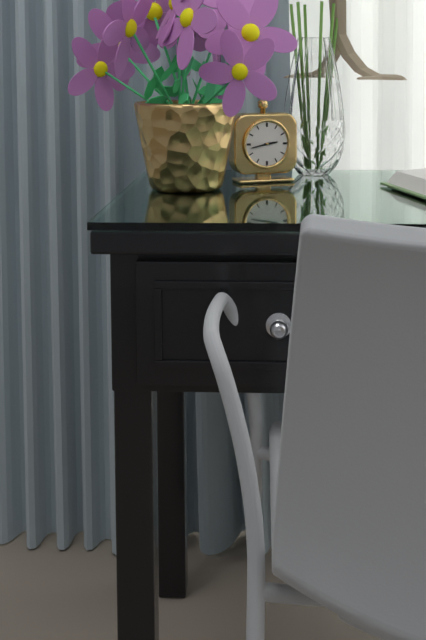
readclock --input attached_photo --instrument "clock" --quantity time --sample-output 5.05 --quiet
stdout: 2.43
